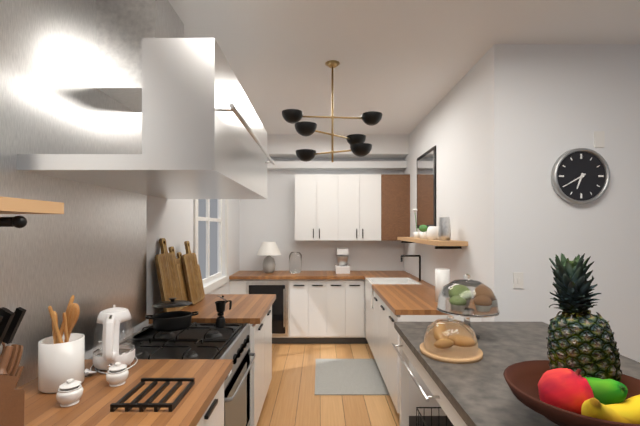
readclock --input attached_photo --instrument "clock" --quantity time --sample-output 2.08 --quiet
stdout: 6.40
